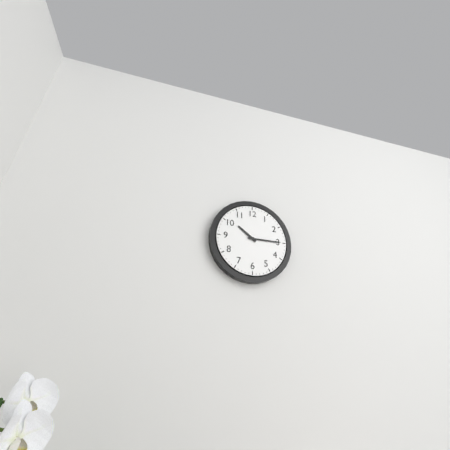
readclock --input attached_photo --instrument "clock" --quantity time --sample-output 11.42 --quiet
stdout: 10.15
